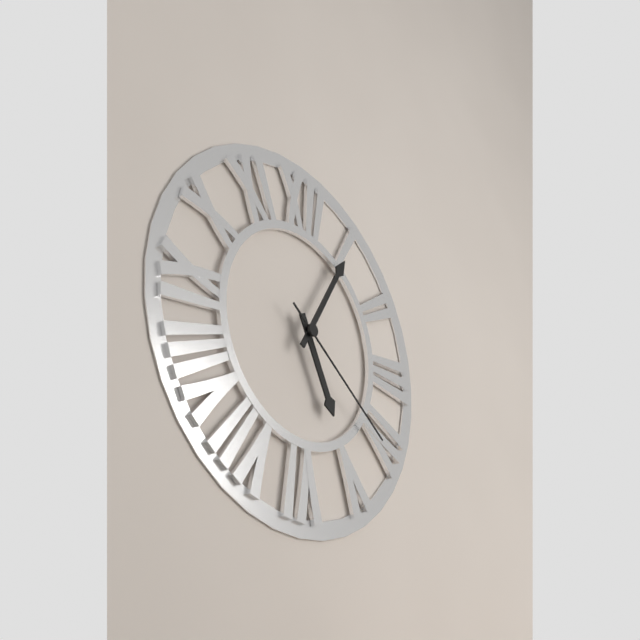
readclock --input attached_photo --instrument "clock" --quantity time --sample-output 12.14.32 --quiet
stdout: 5.05.21
